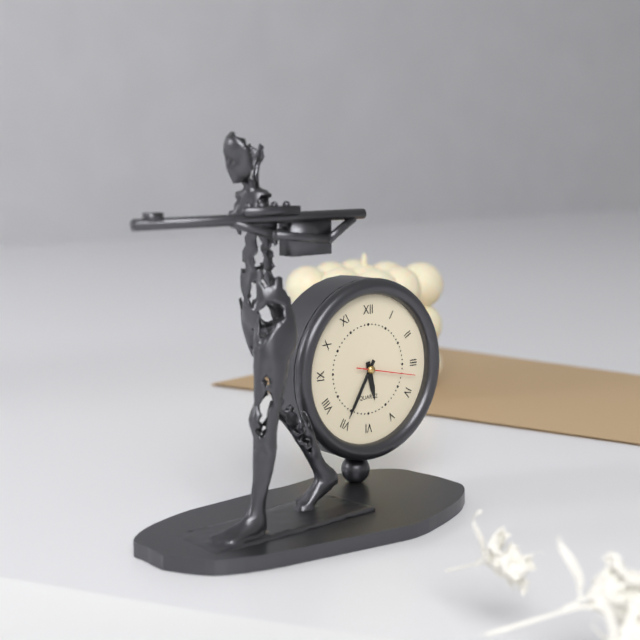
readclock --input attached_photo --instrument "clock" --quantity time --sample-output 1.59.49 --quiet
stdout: 5.35.17
